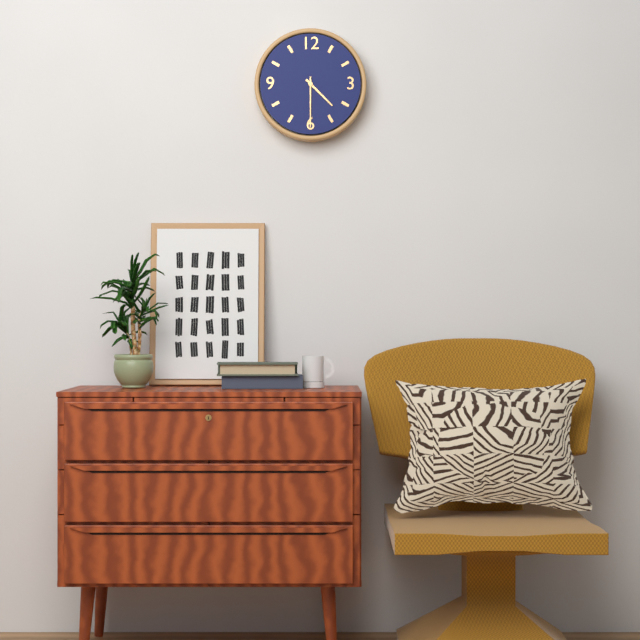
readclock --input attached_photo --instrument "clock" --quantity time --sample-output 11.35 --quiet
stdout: 4.30
